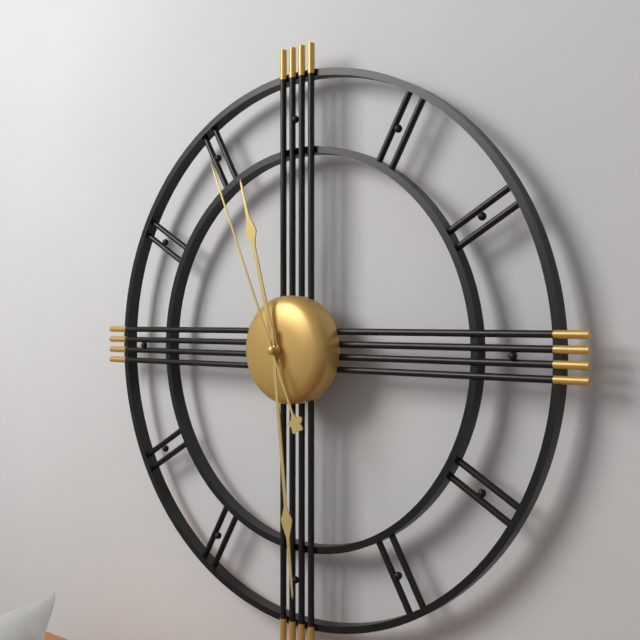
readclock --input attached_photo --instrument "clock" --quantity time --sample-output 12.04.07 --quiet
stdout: 11.29.56
